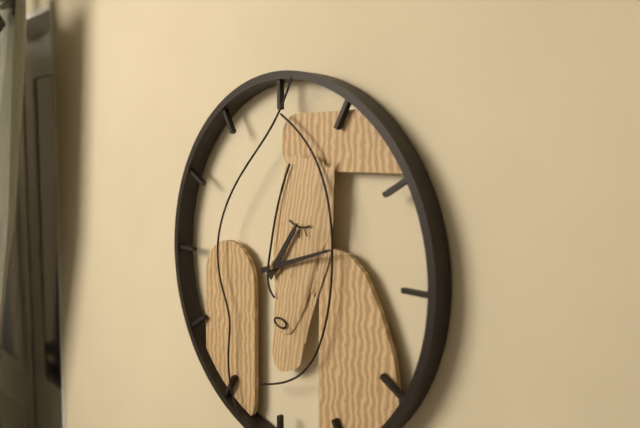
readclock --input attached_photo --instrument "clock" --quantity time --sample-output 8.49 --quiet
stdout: 1.12
